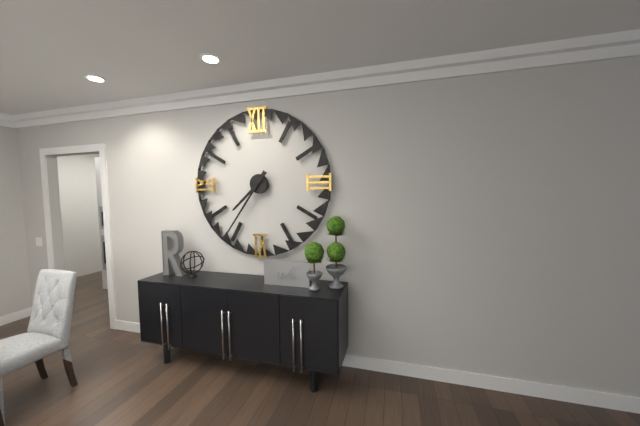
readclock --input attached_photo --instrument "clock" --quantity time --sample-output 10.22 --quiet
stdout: 7.36
